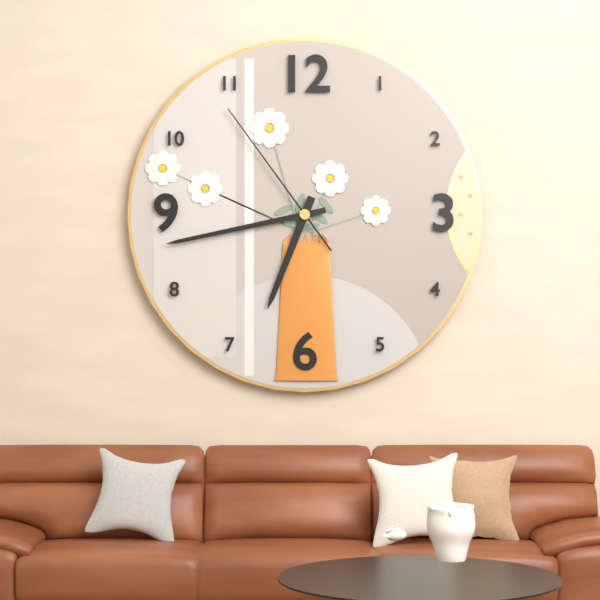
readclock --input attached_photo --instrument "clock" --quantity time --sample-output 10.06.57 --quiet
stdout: 6.43.54
